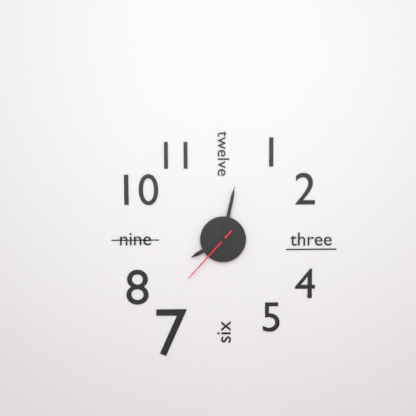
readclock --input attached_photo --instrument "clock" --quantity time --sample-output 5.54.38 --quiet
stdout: 8.02.37
